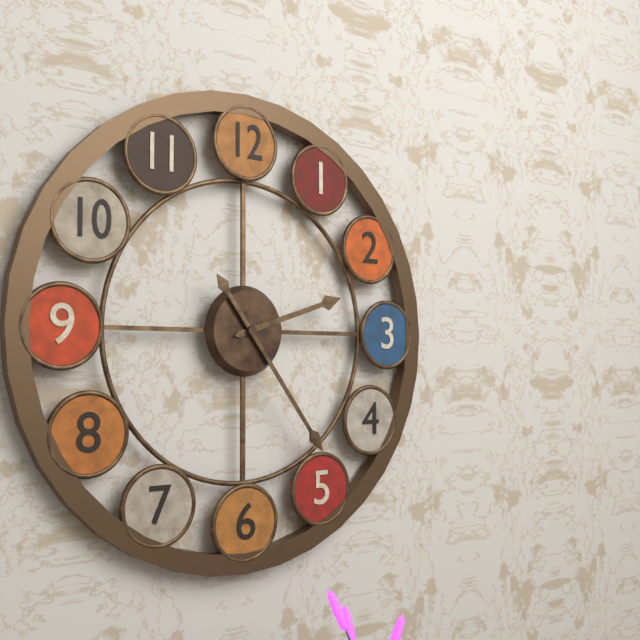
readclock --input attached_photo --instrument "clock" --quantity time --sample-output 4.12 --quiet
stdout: 2.24
